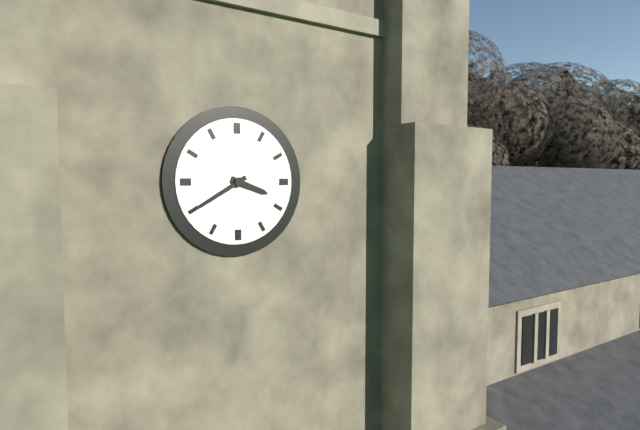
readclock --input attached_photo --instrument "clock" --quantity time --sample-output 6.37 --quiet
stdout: 3.40
